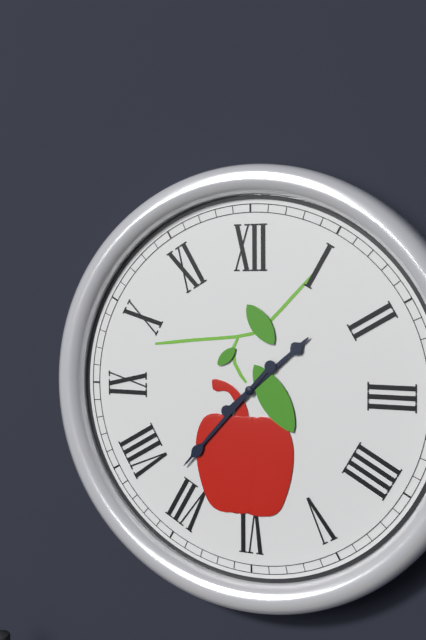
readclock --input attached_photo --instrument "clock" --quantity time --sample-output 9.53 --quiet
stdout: 1.37
